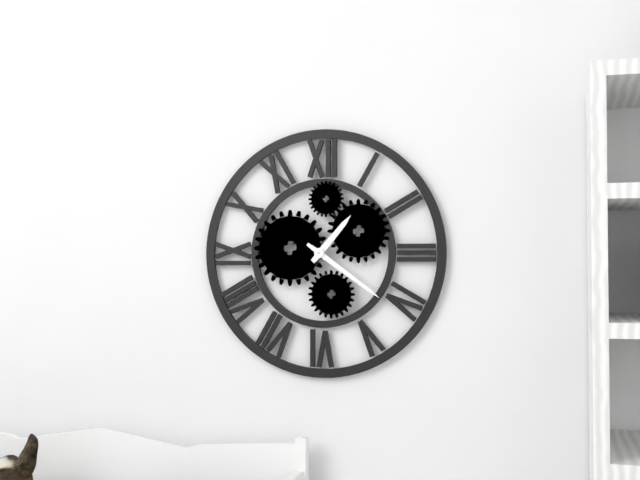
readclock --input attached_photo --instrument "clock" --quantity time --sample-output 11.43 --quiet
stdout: 1.21
